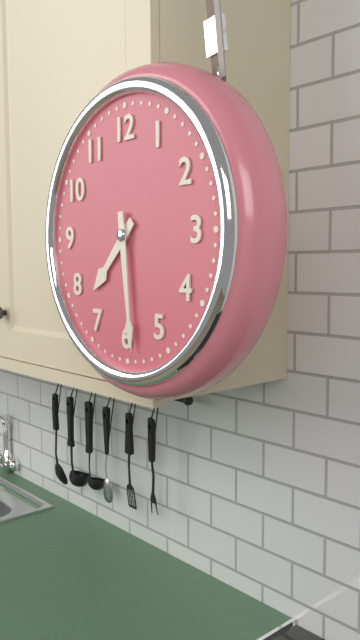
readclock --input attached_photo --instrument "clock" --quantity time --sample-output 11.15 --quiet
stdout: 7.29
